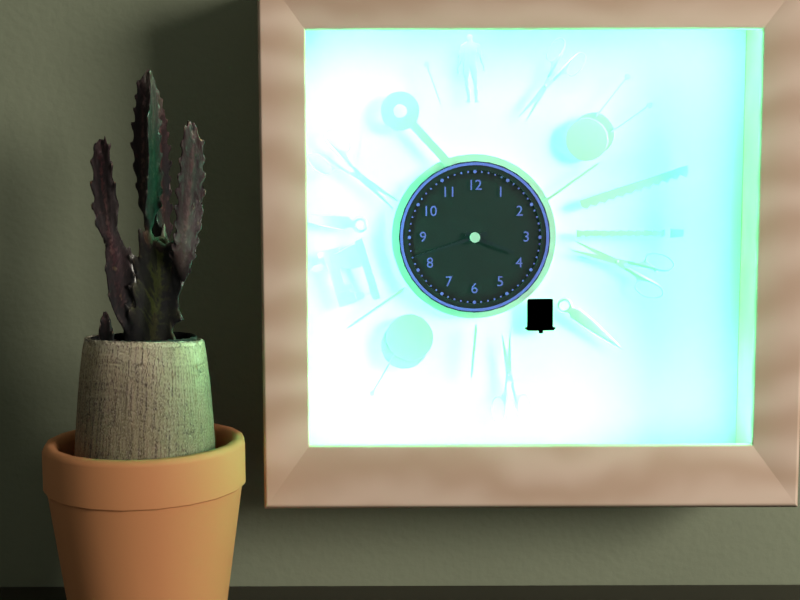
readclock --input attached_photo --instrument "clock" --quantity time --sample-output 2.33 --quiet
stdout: 3.42
